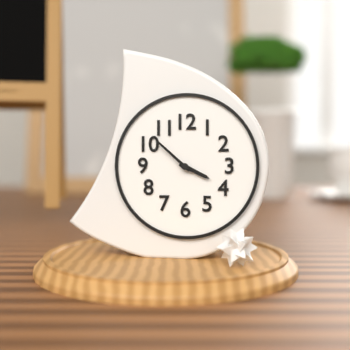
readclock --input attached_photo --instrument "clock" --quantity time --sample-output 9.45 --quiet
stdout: 3.52
